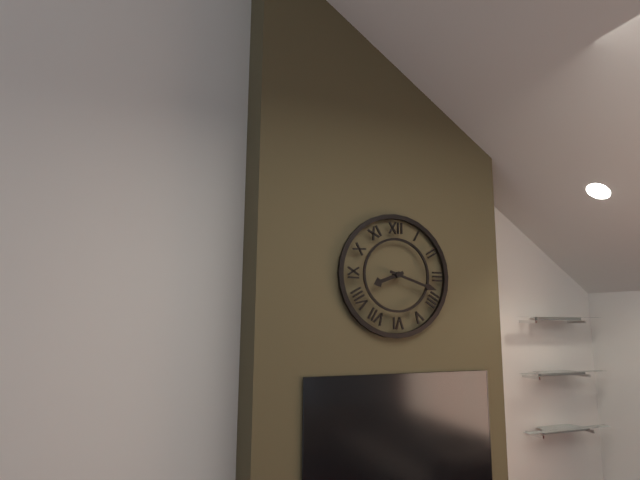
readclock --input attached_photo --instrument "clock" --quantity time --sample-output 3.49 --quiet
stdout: 8.18
